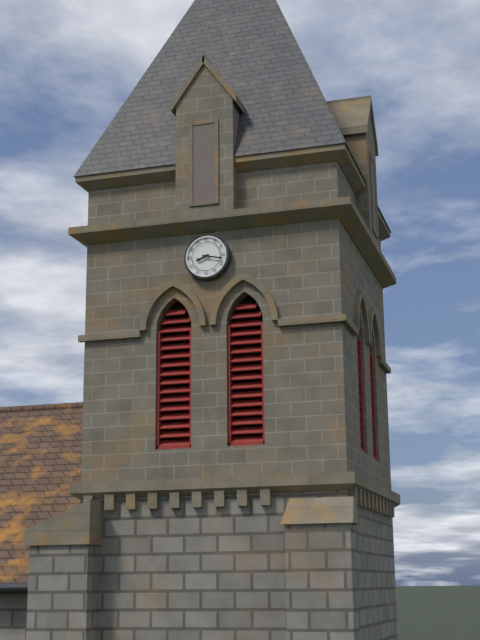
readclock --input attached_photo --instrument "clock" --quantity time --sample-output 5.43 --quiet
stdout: 8.17
